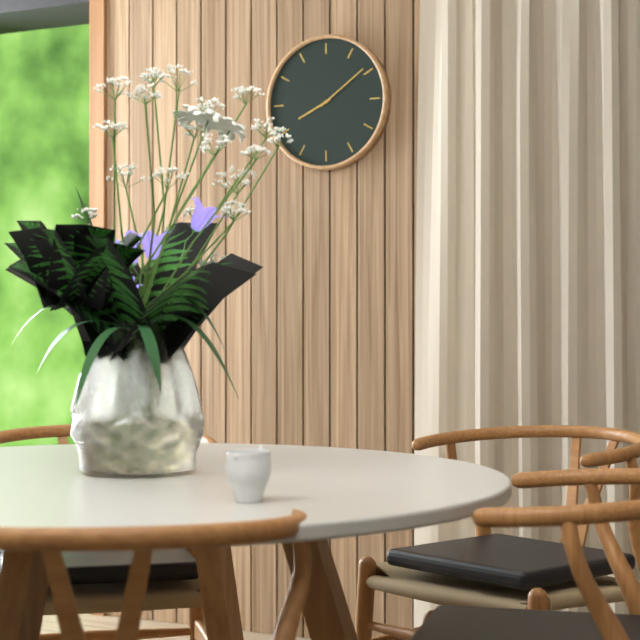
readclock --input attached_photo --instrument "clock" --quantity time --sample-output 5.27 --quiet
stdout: 8.09
